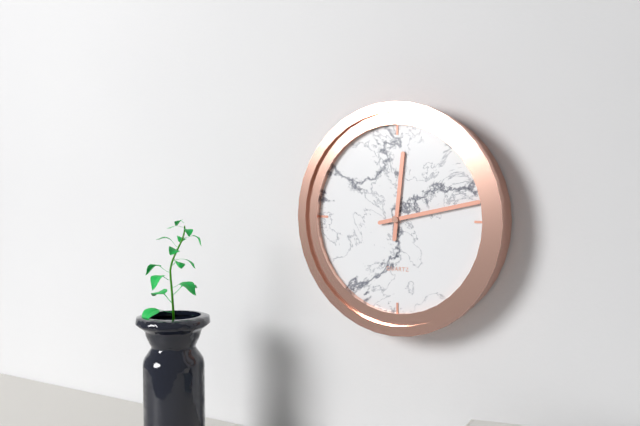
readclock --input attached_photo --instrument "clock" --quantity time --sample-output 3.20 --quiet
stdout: 12.13
